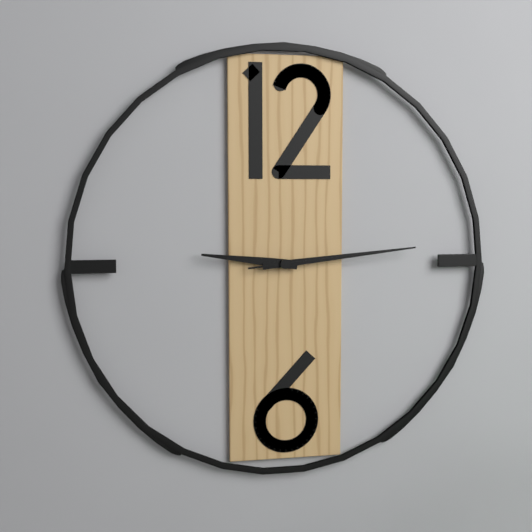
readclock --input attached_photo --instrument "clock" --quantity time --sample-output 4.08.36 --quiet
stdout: 9.14.14
